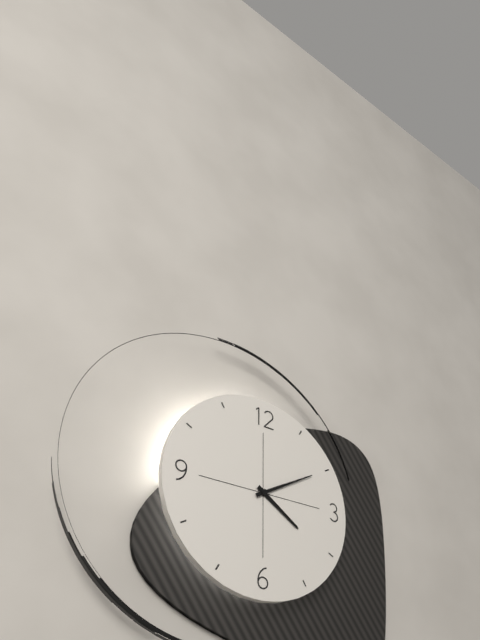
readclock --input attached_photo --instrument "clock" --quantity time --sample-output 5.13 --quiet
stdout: 4.10
